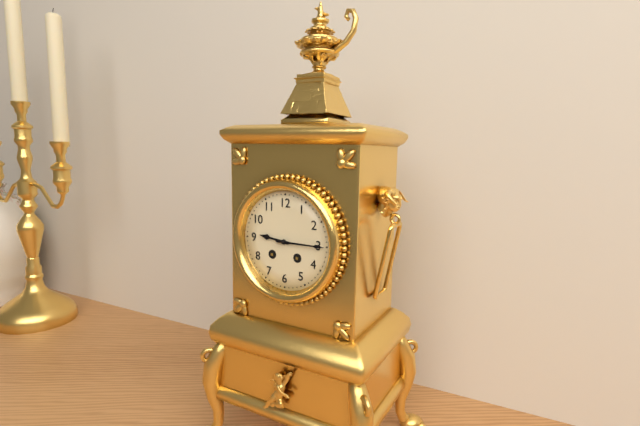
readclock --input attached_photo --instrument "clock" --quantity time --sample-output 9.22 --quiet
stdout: 9.15
